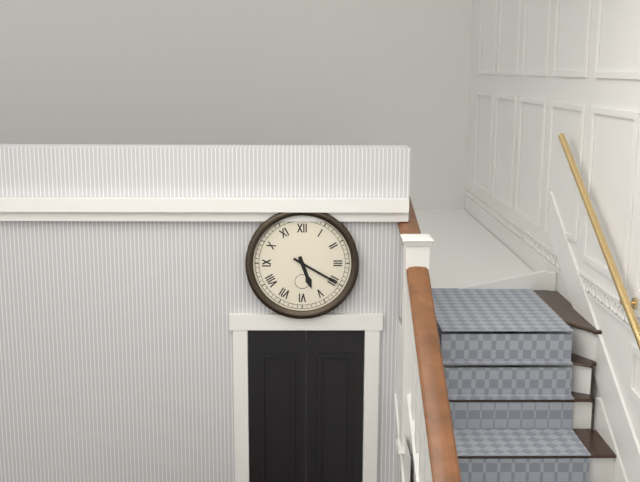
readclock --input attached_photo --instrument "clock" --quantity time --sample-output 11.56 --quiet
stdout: 5.20
